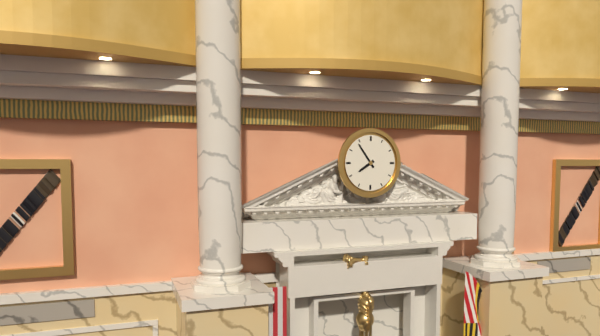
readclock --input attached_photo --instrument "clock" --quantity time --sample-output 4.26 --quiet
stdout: 7.54
